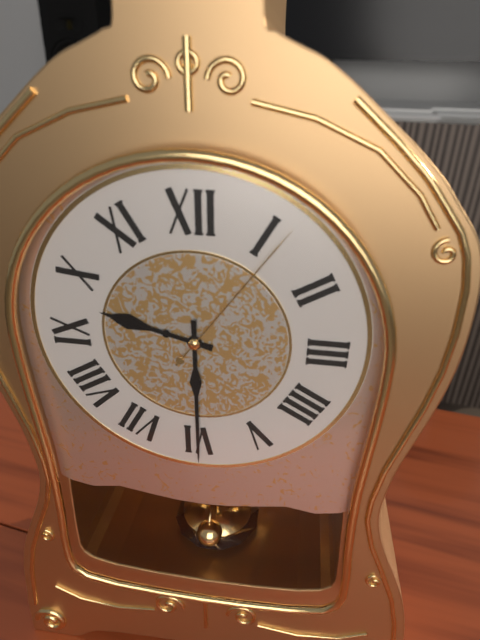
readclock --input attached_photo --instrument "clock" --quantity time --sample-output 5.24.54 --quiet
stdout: 9.30.06
